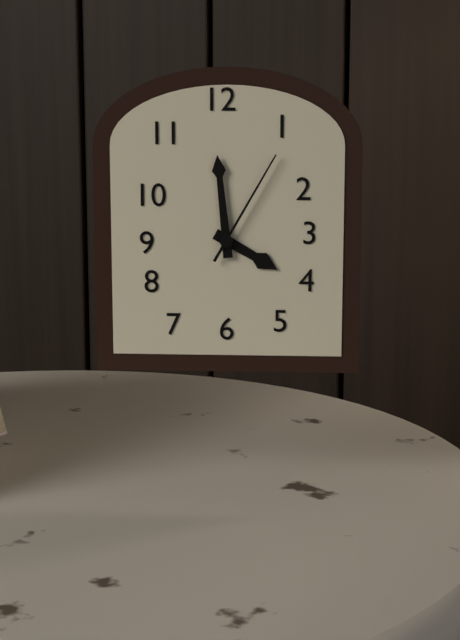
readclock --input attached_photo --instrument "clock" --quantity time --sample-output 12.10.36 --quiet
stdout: 3.59.05
